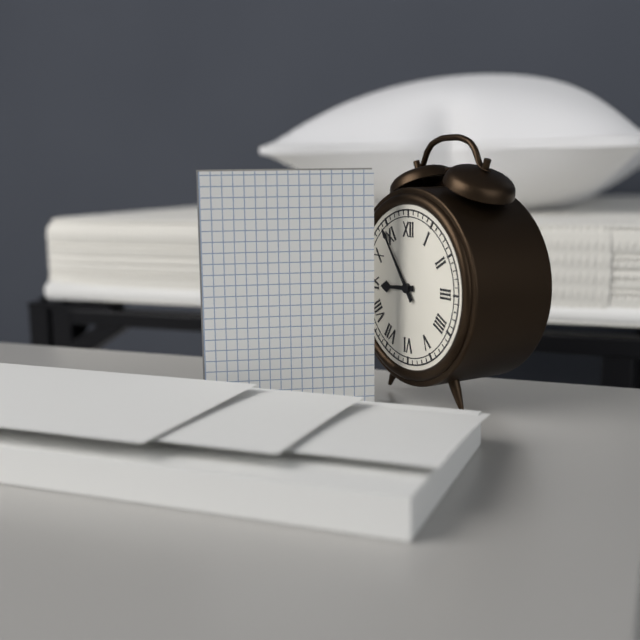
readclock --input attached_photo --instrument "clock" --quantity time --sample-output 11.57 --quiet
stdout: 8.54
